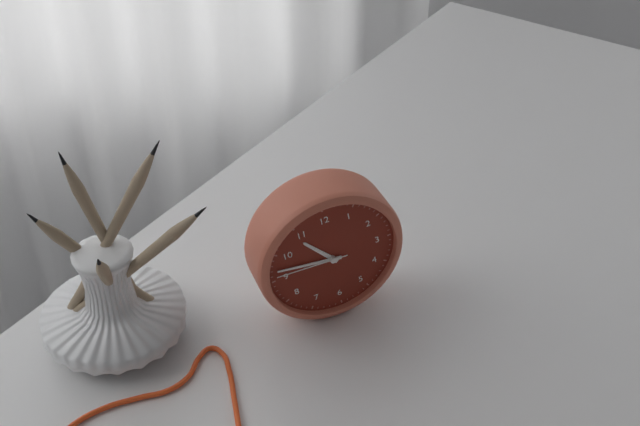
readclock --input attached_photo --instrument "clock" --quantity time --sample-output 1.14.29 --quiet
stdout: 10.47.46
